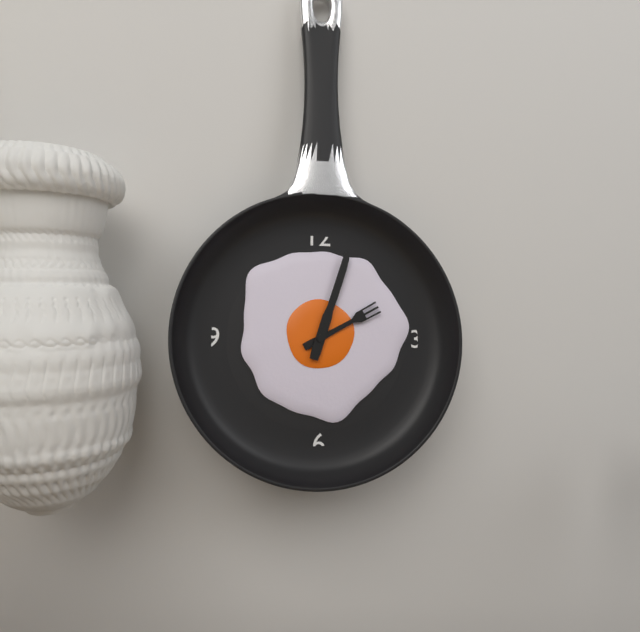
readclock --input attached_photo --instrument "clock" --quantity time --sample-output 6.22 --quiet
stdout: 2.03
